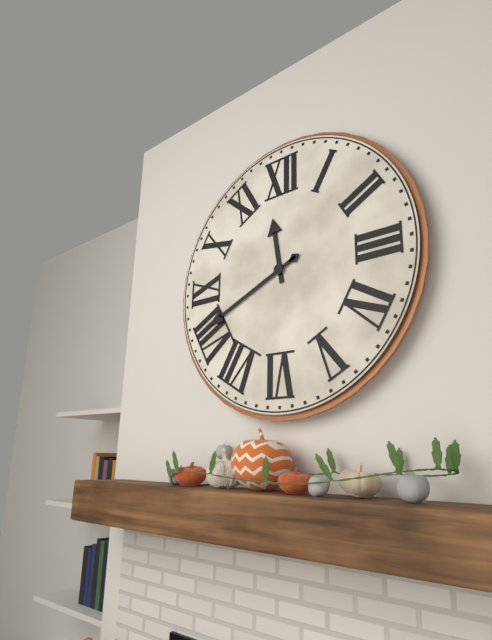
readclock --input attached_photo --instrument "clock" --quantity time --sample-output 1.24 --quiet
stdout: 11.41
